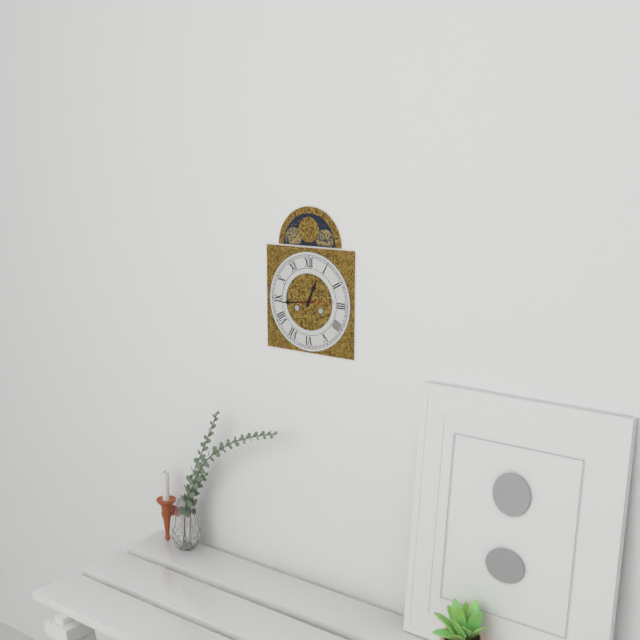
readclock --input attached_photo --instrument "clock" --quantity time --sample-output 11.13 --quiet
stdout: 12.44
